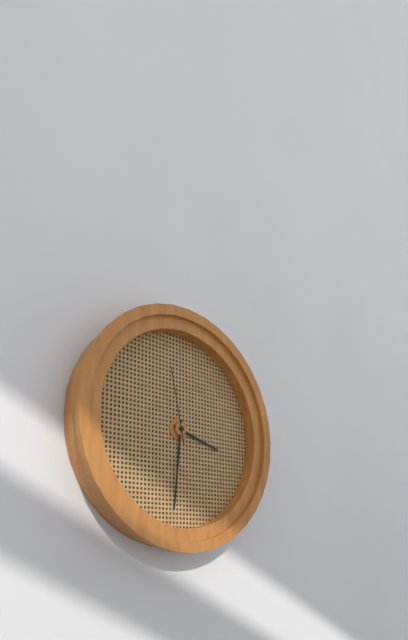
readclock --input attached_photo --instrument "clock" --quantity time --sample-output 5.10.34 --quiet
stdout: 3.31.58
